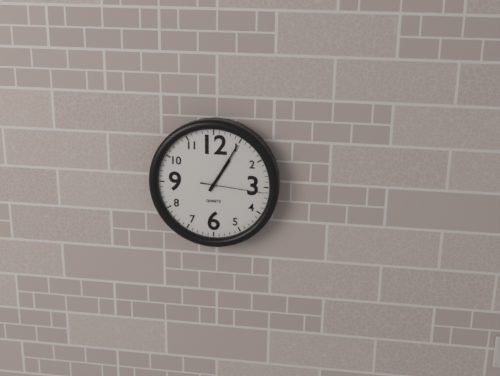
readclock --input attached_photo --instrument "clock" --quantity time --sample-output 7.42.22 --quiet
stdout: 1.05.16
